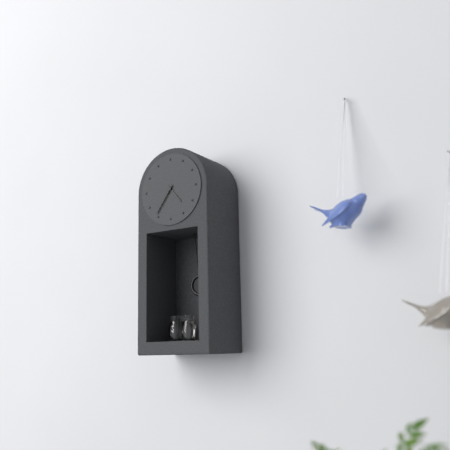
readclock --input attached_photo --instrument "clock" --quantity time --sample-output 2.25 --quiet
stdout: 4.36
